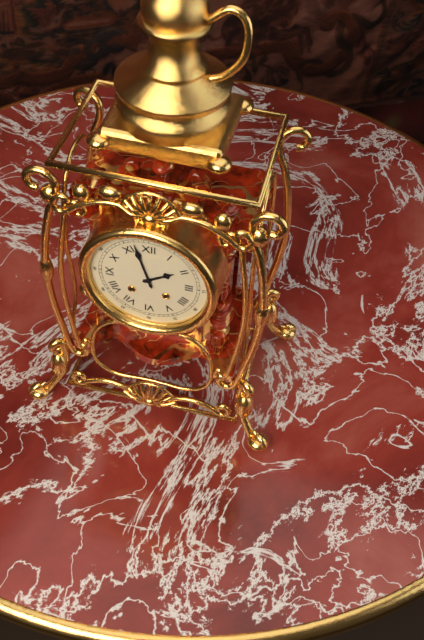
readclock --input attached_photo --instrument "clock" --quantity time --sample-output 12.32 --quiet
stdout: 1.57
